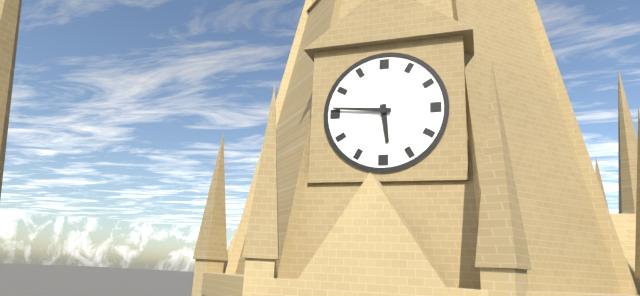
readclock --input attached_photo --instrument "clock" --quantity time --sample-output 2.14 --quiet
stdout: 5.46
